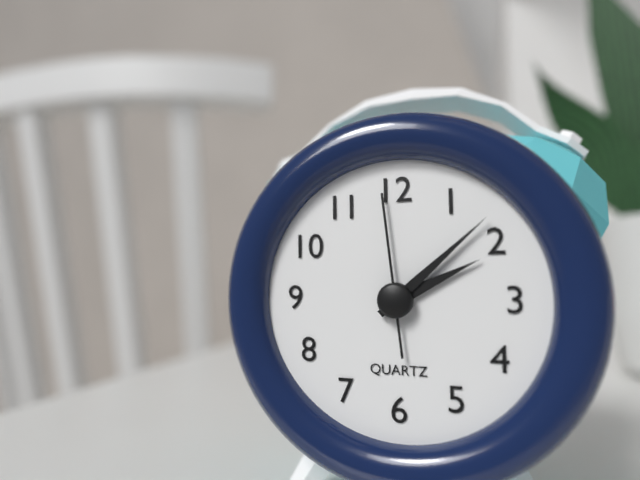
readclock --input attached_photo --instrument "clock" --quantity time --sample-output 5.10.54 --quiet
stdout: 2.08.59
